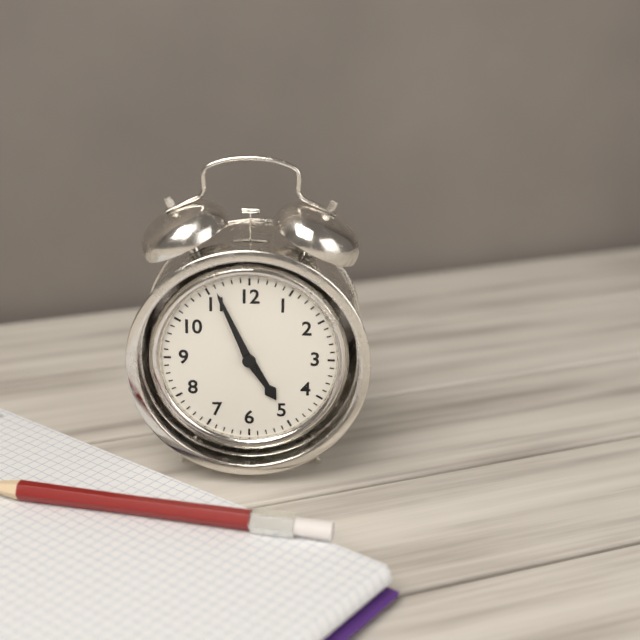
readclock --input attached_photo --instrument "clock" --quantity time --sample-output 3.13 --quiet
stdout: 4.56
